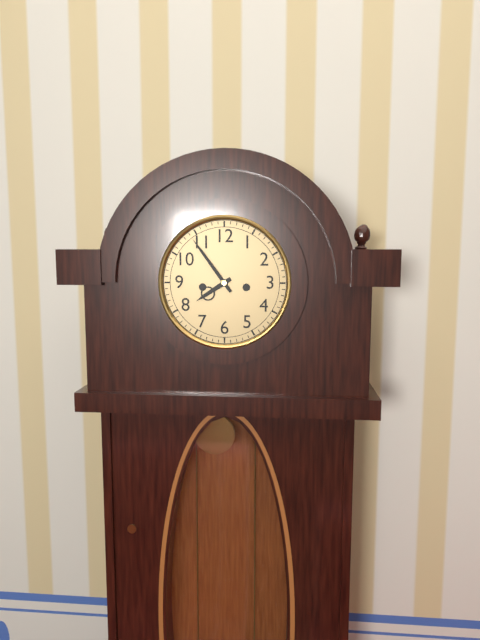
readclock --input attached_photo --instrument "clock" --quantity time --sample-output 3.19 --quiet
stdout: 7.54
